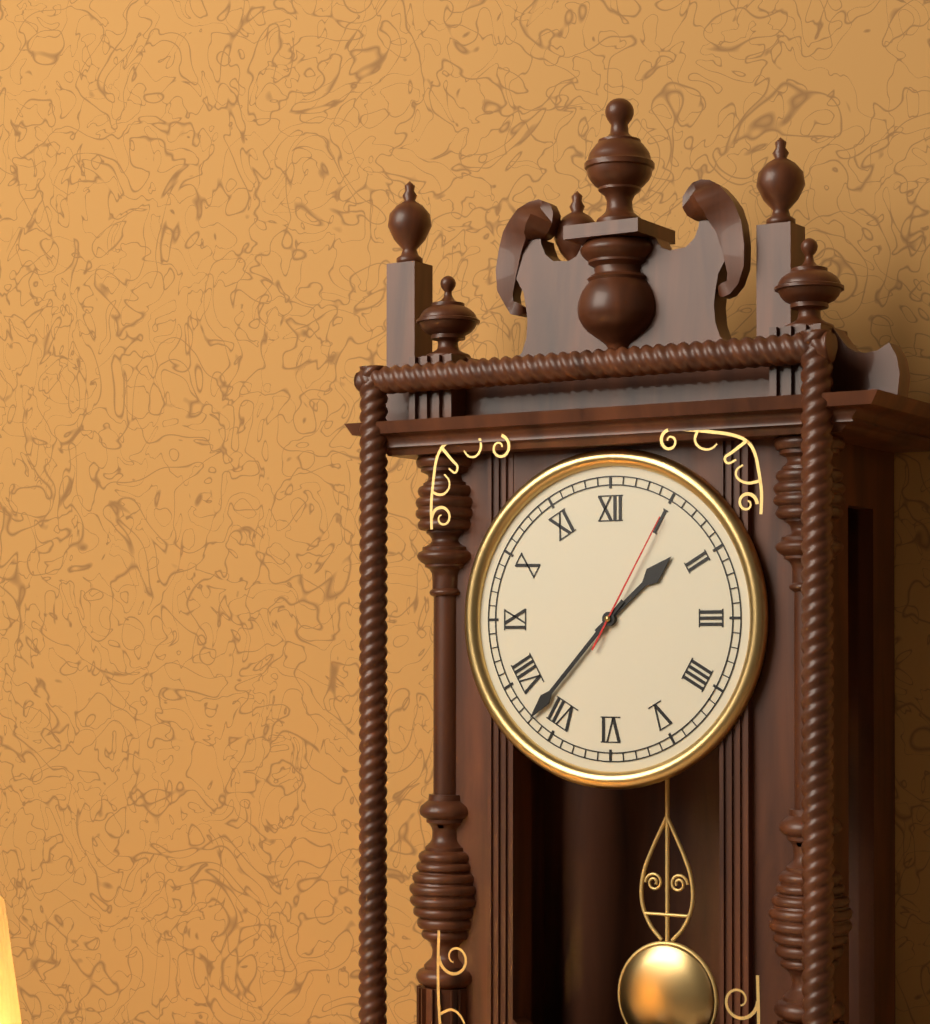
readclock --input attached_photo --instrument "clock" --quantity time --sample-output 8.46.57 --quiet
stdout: 1.37.05
